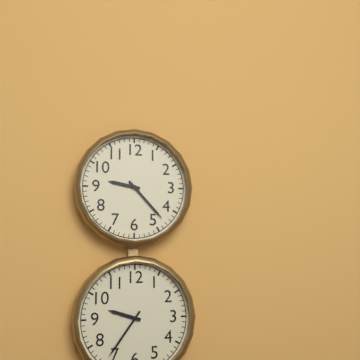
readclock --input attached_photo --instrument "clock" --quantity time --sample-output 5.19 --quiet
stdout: 9.23
